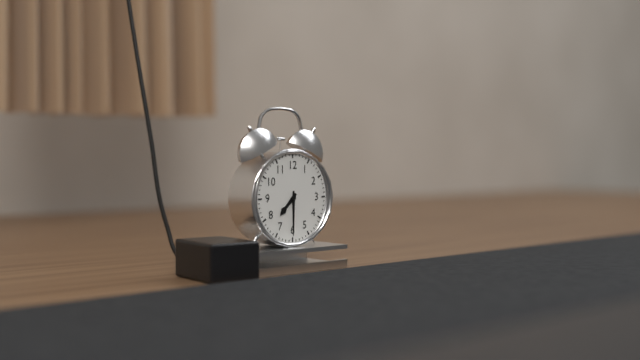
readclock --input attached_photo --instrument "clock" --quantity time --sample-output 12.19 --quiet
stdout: 7.30
